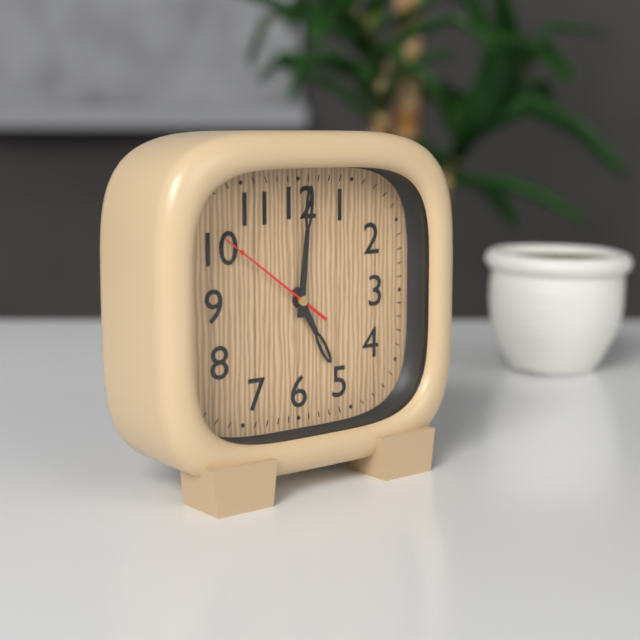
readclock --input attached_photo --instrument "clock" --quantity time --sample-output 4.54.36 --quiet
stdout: 5.01.51
